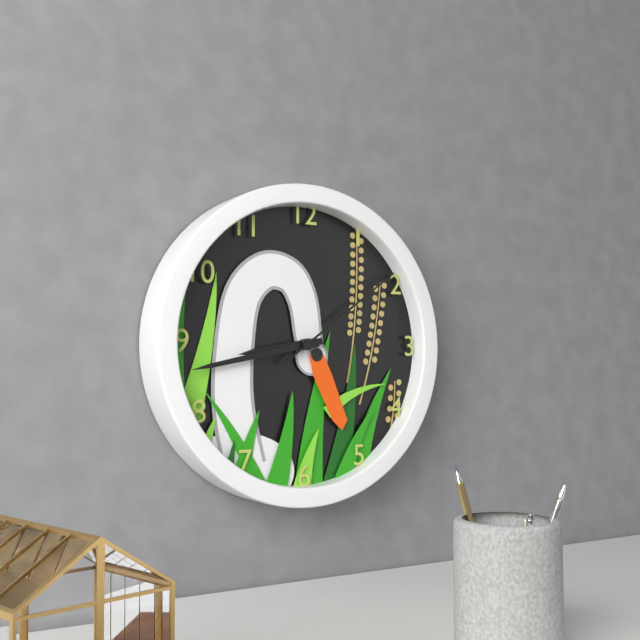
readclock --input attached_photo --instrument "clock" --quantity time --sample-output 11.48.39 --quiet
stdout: 8.43.09
